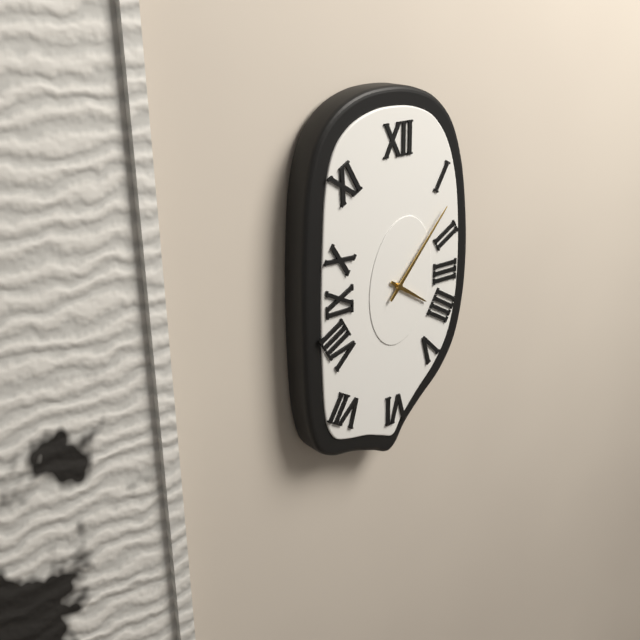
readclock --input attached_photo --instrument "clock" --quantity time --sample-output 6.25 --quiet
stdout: 4.07
